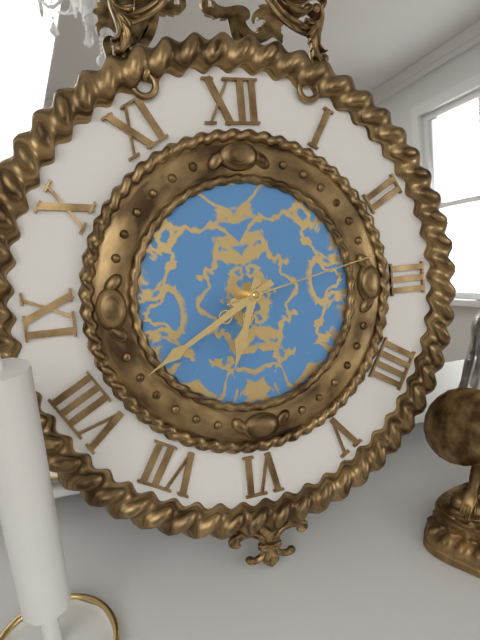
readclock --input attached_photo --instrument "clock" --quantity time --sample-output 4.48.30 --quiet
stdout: 6.40.13
